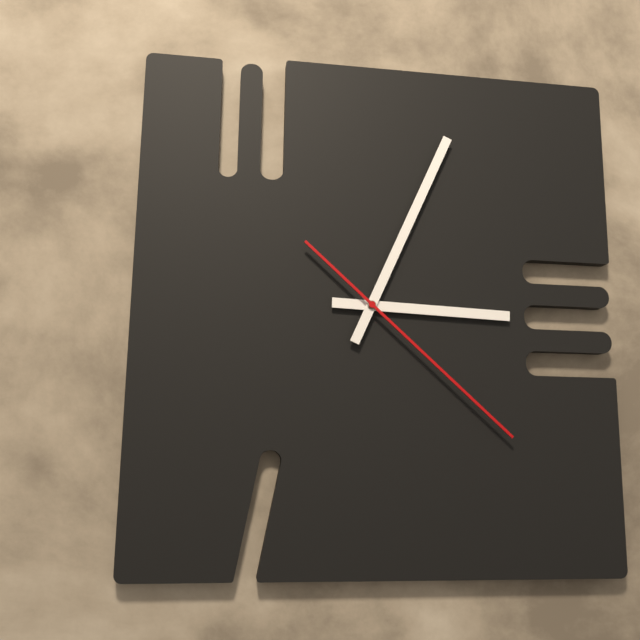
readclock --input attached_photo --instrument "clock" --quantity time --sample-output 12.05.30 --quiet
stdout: 3.04.22
